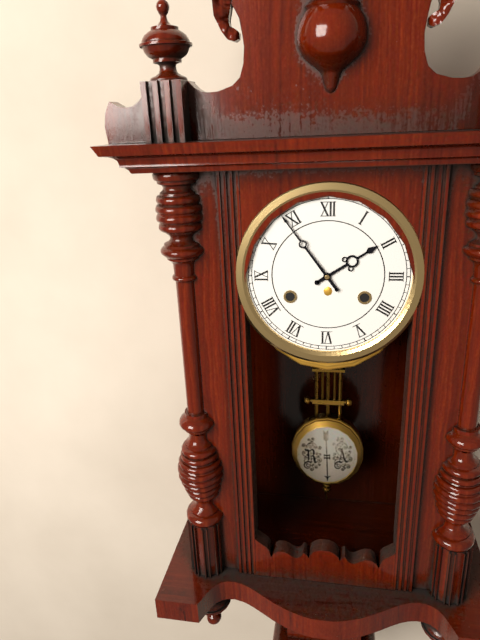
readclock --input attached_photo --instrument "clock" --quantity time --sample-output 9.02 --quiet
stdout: 1.54
